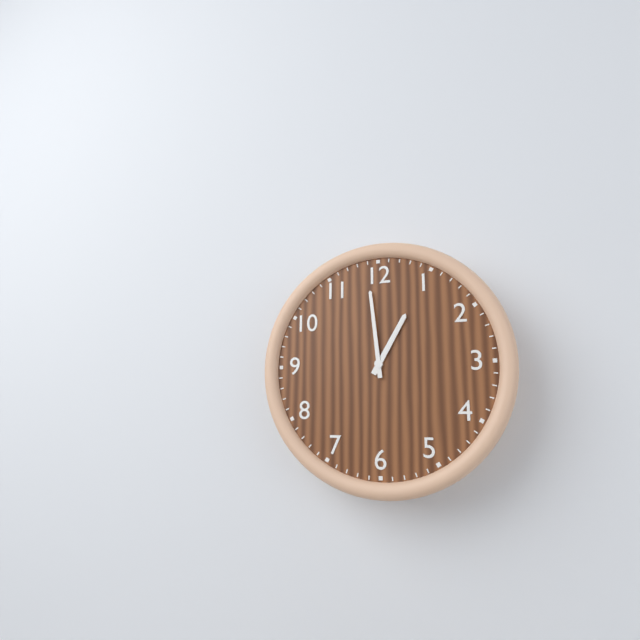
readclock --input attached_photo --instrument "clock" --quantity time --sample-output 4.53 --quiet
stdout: 12.59
